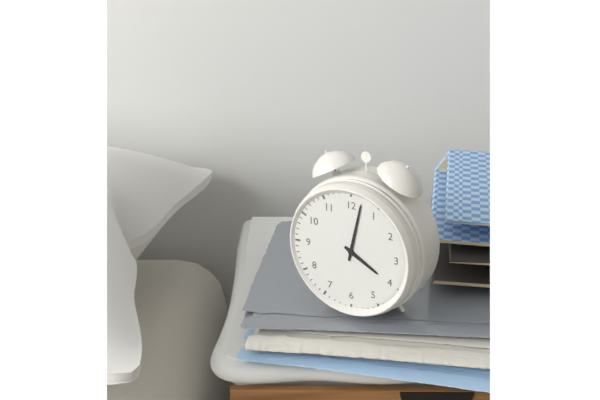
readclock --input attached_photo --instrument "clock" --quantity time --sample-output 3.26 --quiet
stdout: 4.02
